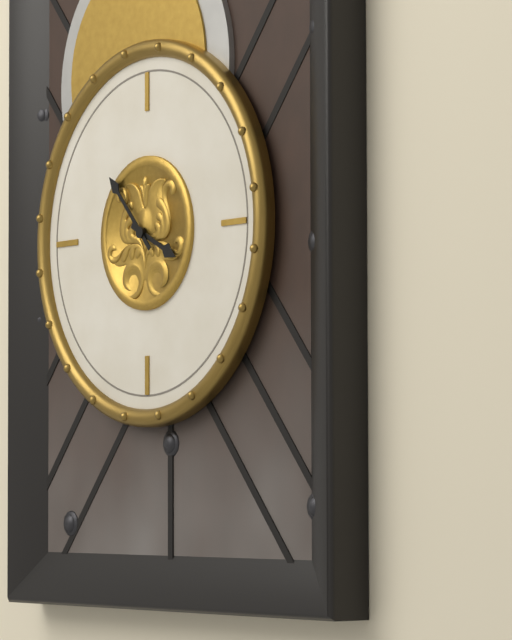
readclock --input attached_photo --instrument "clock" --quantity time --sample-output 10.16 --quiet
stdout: 3.53
